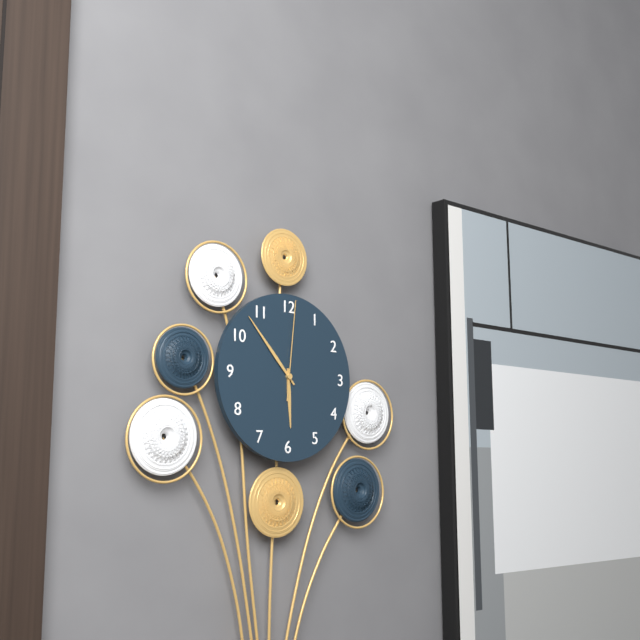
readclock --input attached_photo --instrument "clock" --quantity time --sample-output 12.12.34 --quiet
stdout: 5.53.01
